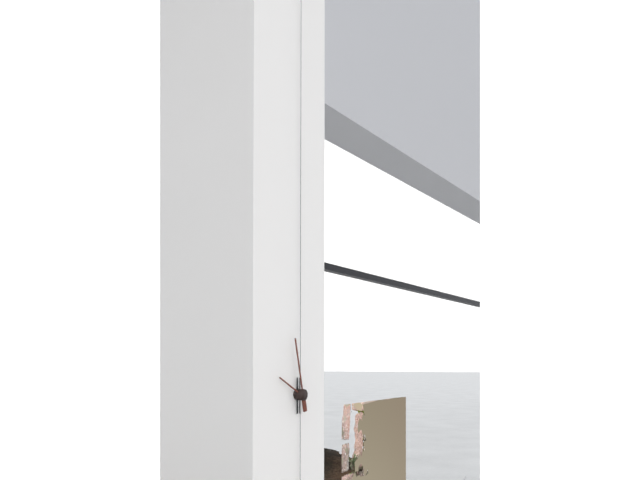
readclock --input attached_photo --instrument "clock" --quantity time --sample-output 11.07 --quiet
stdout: 9.58
